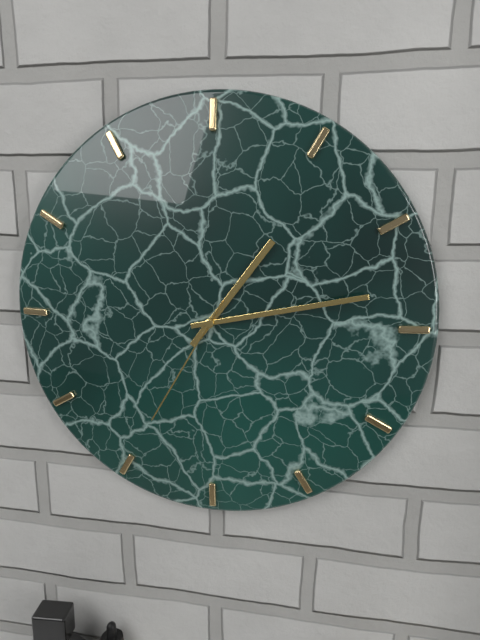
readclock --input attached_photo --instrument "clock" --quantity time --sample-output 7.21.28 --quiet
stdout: 1.13.35
